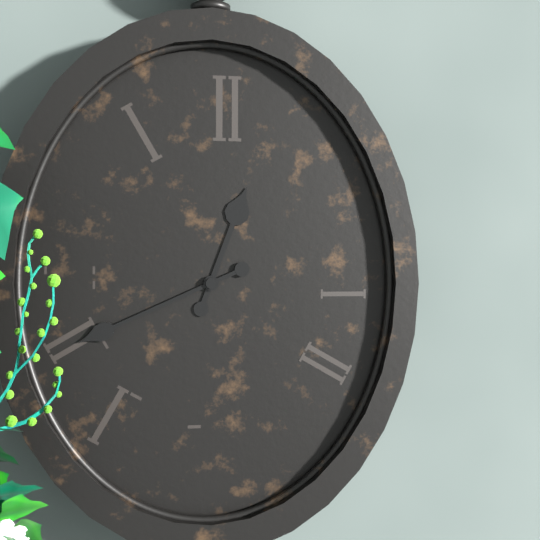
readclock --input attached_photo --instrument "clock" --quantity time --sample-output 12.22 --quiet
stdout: 12.41
